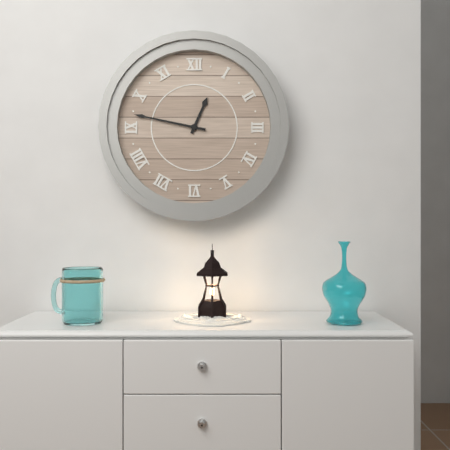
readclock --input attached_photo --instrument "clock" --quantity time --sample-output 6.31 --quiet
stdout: 12.47
